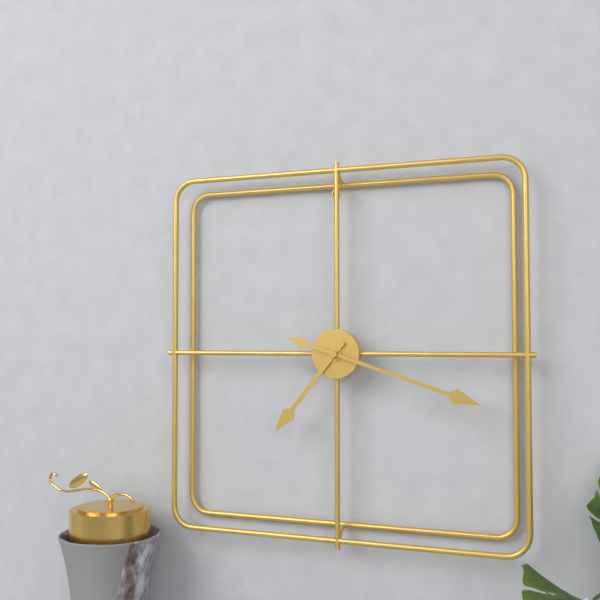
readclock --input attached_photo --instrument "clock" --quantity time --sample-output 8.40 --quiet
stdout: 7.18
